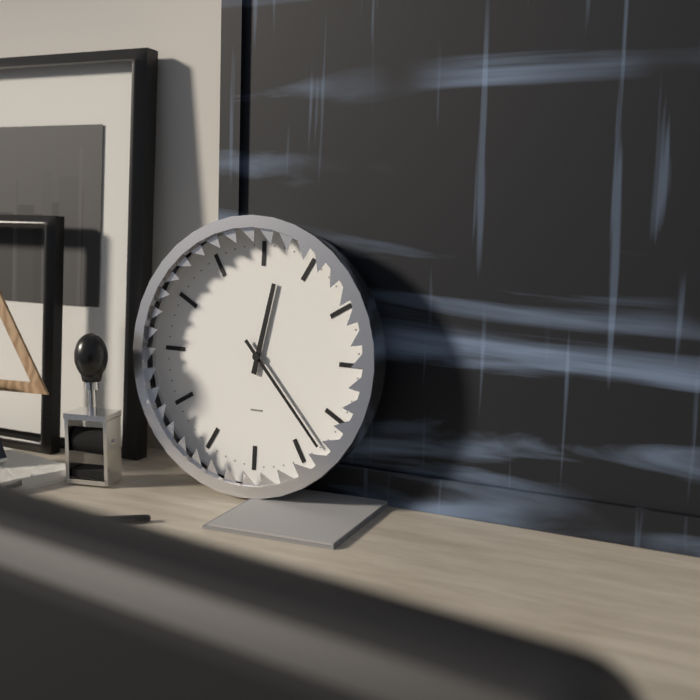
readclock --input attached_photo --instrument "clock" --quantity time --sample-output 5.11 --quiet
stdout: 12.23
